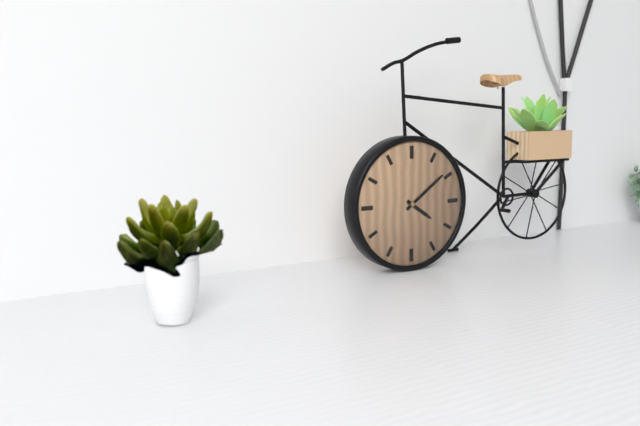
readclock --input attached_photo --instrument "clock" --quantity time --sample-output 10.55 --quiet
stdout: 4.09
